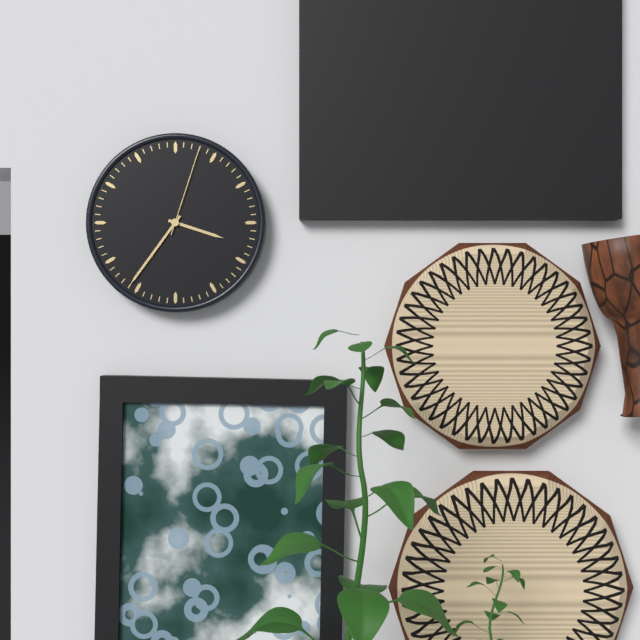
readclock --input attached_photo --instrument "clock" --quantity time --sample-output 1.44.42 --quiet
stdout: 3.36.03
